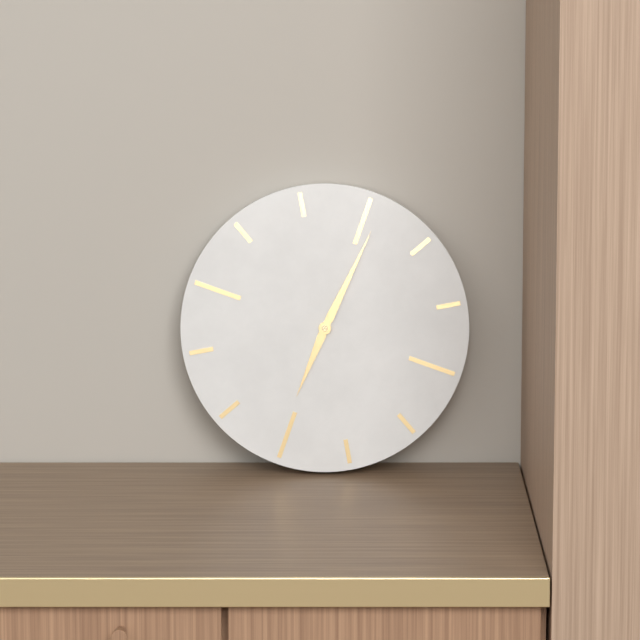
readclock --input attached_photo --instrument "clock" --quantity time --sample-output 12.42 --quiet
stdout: 7.06
